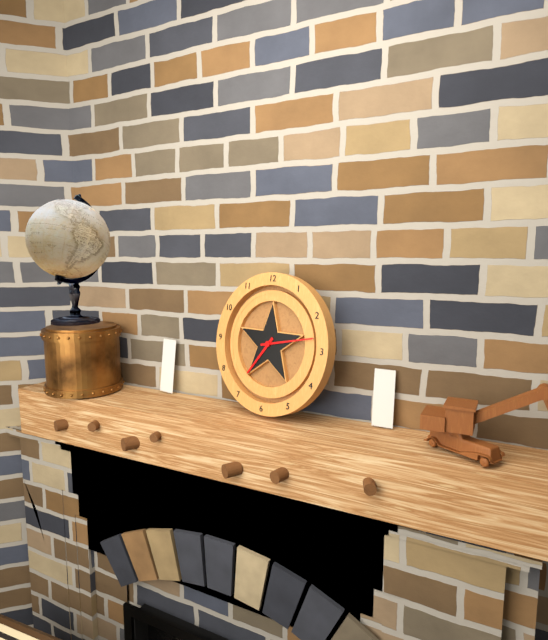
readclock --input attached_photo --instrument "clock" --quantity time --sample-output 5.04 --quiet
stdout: 7.13
